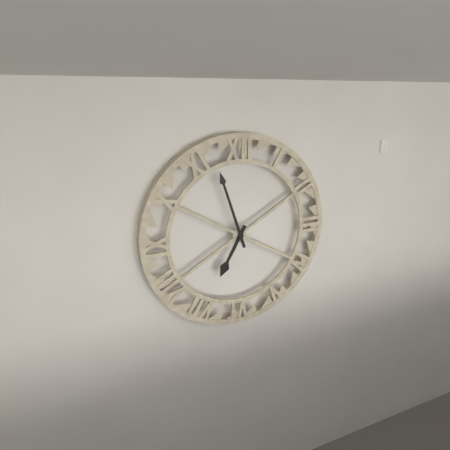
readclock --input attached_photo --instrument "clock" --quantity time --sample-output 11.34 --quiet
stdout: 6.57
